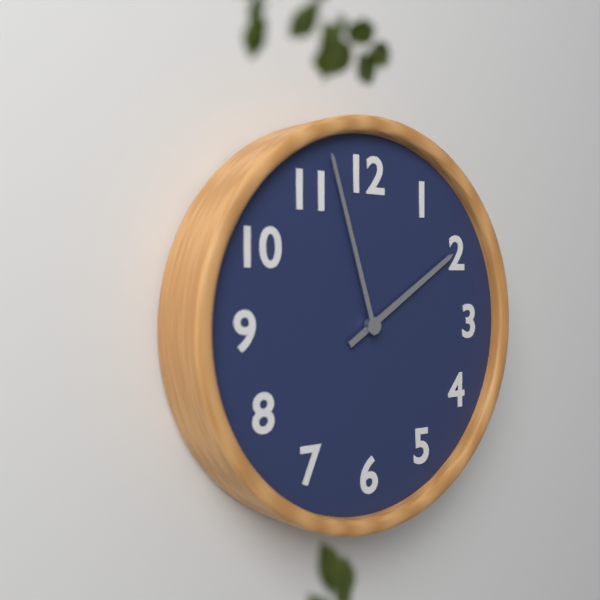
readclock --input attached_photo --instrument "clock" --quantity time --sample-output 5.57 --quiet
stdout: 1.57
